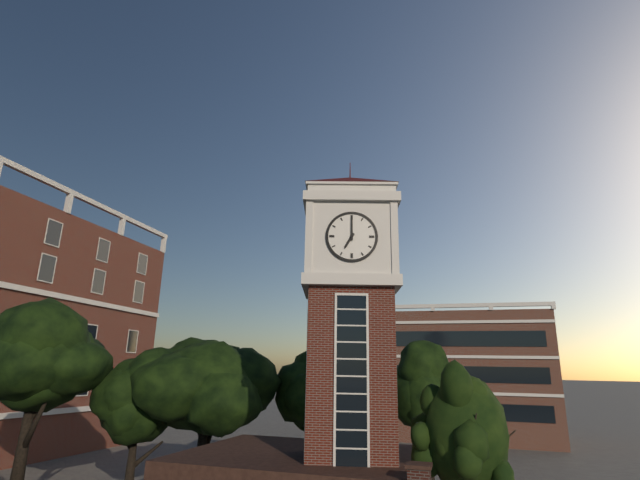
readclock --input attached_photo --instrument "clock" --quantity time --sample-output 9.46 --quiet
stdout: 7.00
